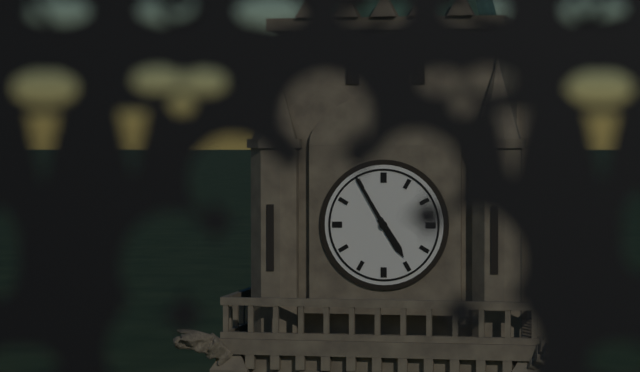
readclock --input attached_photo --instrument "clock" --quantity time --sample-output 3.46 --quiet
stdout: 4.55
